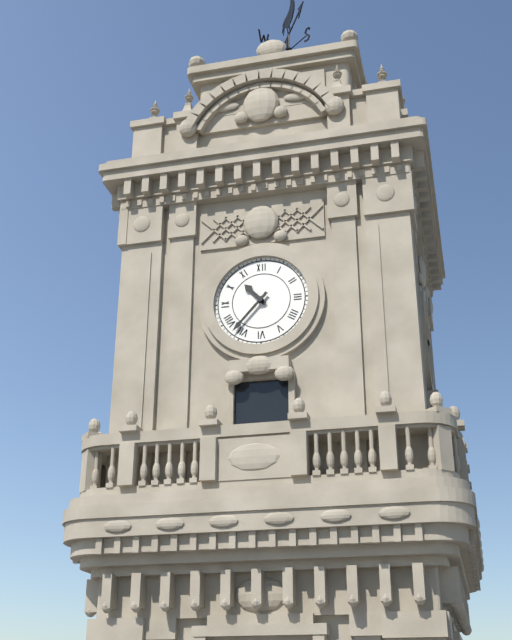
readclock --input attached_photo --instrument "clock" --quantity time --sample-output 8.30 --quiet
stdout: 10.37
